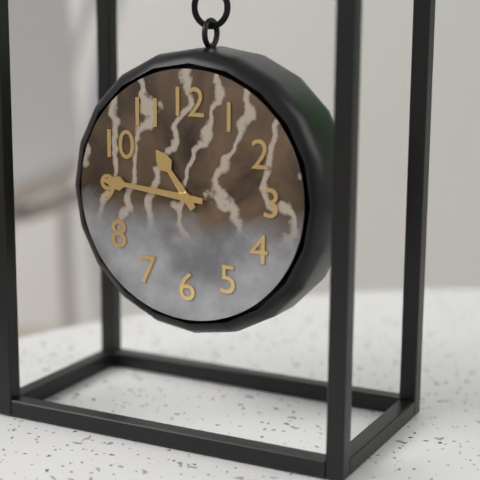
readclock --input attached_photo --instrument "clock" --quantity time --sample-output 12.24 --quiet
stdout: 10.46
